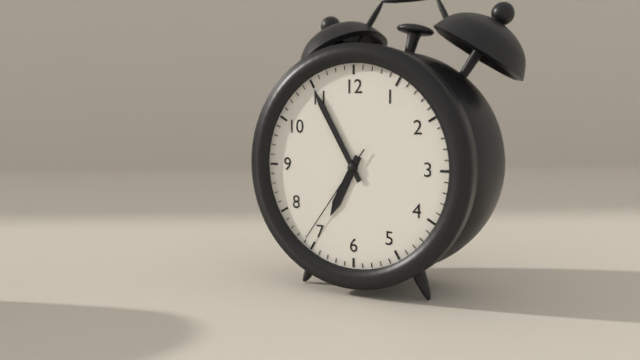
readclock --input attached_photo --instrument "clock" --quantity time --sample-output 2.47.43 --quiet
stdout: 6.55.36
